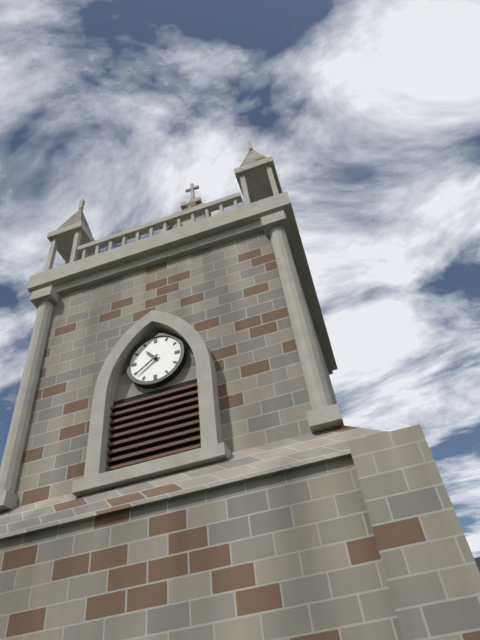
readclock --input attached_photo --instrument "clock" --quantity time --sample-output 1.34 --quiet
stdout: 10.39
